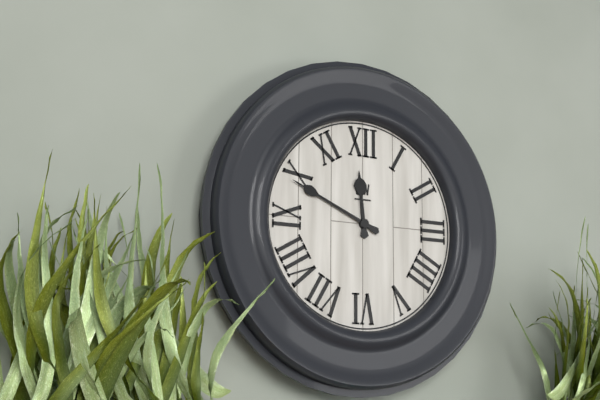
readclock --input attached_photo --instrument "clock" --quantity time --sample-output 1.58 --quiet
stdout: 11.49
